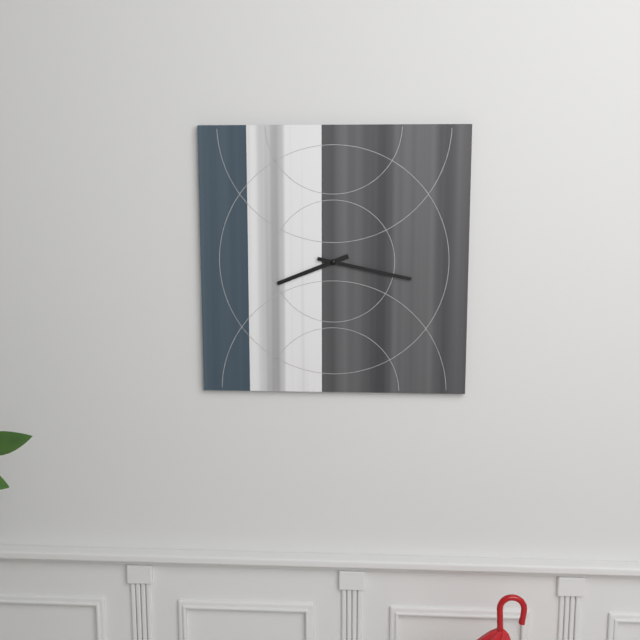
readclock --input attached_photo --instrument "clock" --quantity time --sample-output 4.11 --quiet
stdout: 8.17
